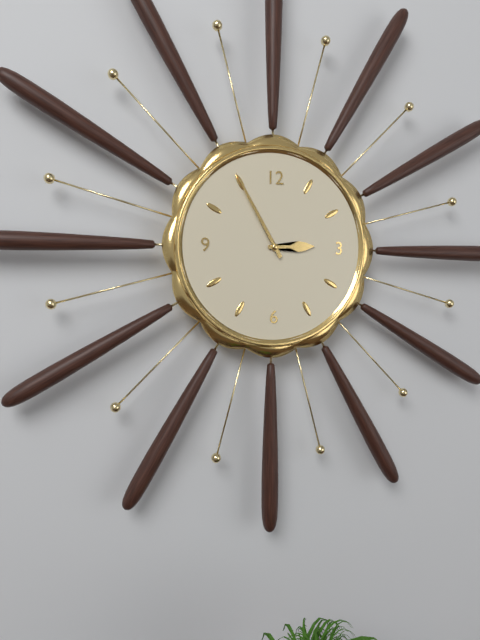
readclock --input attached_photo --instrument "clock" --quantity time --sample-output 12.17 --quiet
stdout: 2.55
